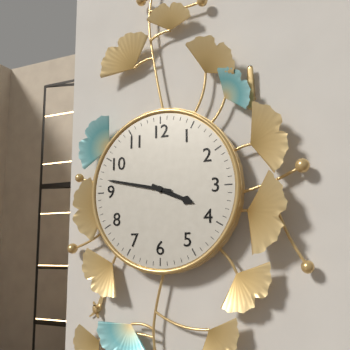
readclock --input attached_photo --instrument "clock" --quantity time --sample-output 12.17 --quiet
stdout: 3.47
